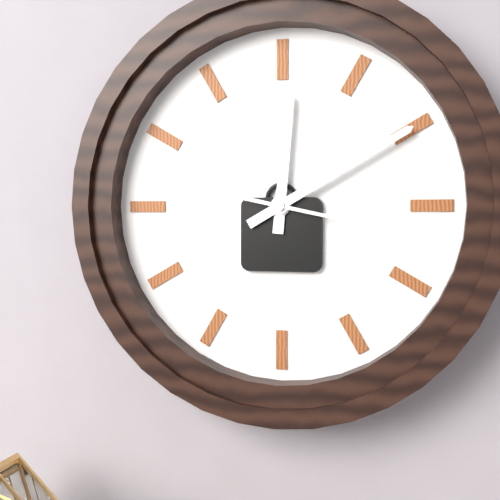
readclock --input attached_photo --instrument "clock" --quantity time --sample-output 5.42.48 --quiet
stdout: 12.10.17
